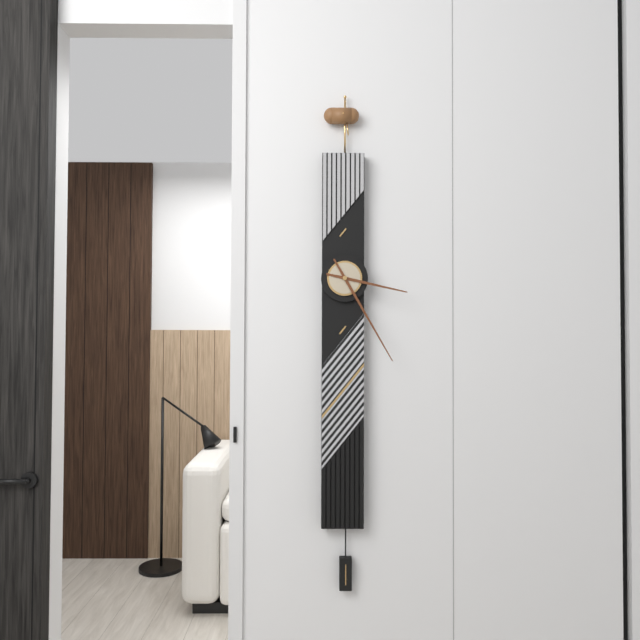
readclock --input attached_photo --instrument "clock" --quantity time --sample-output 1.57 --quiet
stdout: 3.25
